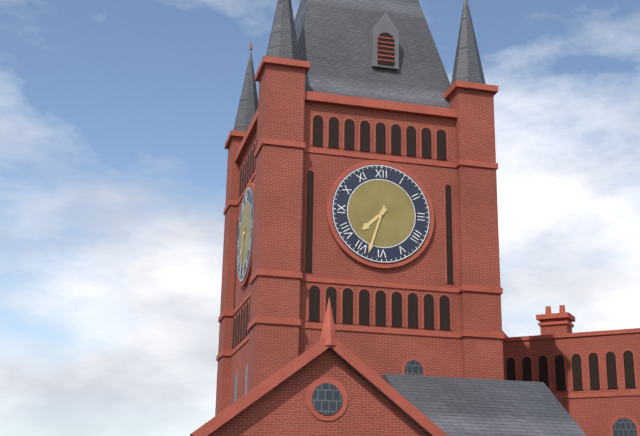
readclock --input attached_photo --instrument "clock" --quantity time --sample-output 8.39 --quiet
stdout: 7.33
